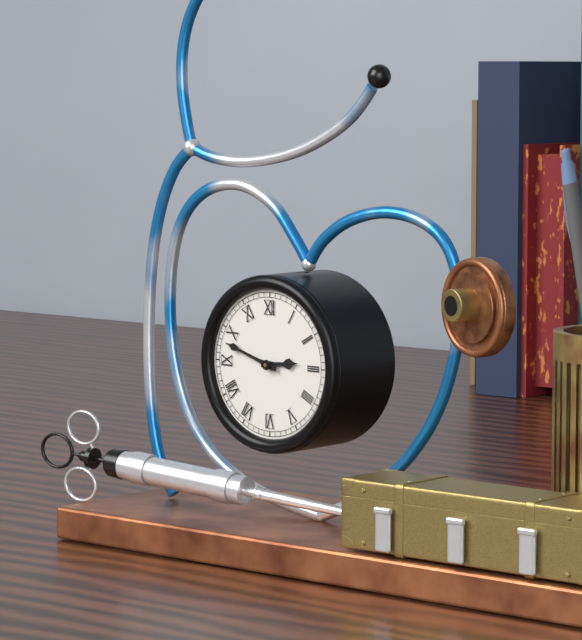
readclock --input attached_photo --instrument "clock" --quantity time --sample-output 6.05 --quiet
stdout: 2.48
